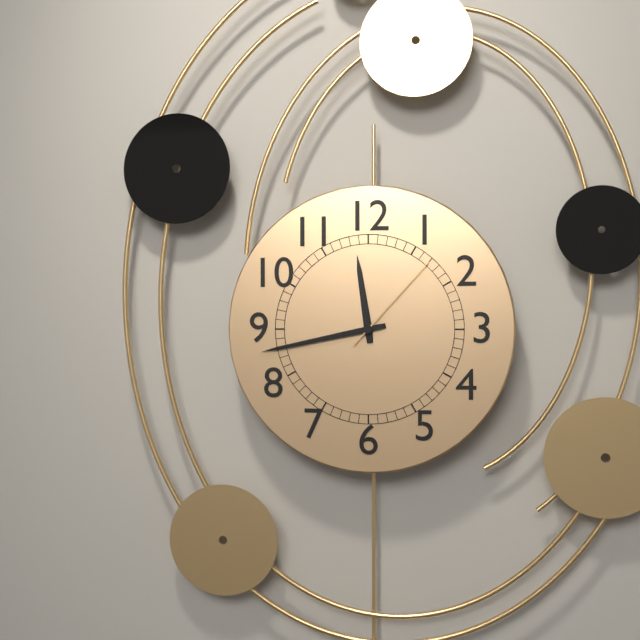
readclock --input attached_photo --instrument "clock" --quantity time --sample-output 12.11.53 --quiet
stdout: 11.43.07
